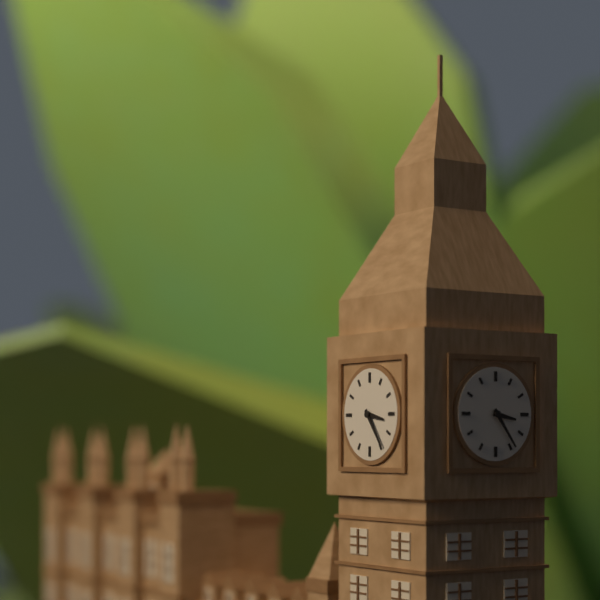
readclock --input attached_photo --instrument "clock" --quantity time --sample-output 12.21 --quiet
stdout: 3.24
